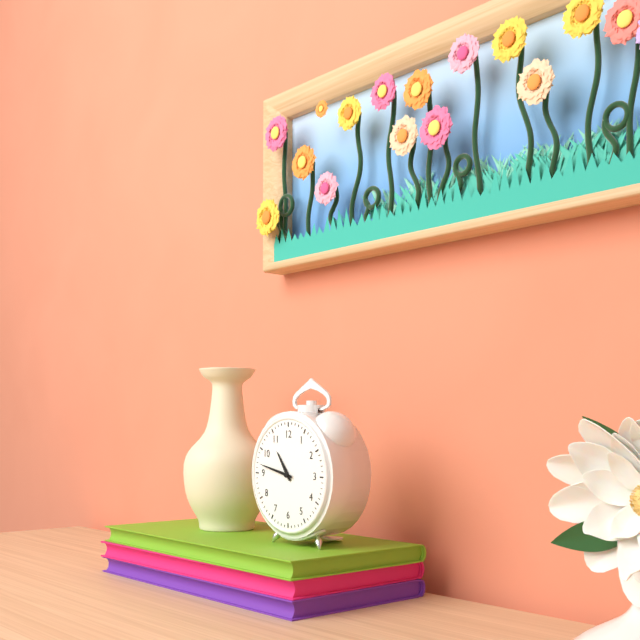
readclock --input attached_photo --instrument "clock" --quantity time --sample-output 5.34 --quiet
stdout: 10.47
